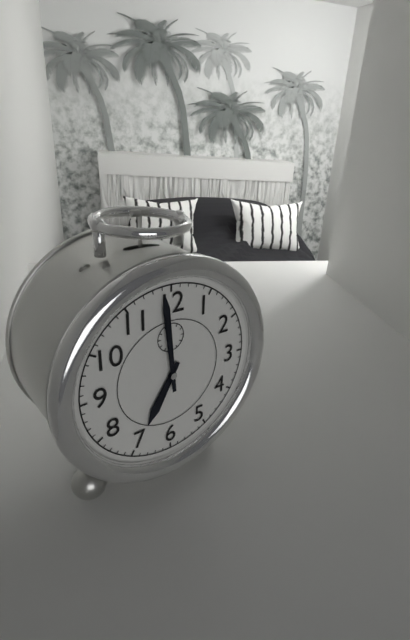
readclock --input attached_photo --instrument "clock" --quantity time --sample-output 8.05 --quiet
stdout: 6.59
